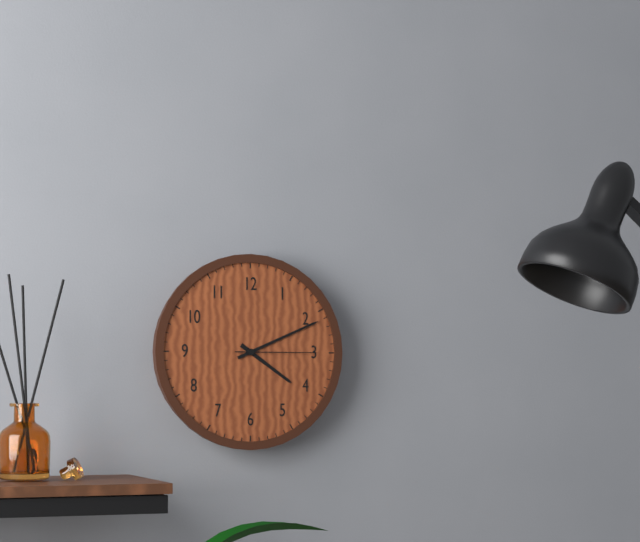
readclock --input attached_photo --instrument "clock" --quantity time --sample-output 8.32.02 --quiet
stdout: 4.11.15
